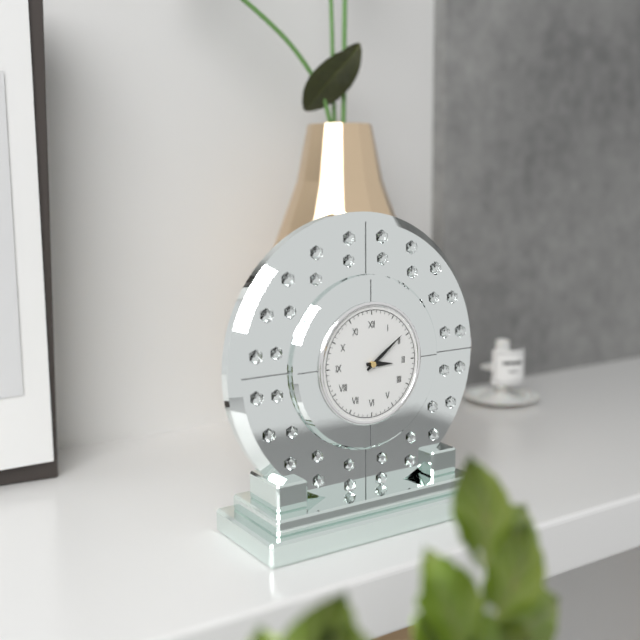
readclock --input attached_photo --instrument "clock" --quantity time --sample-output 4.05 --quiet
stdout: 3.09
